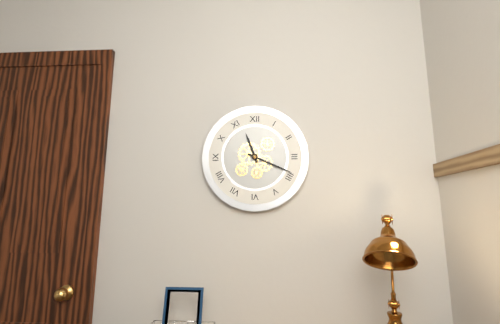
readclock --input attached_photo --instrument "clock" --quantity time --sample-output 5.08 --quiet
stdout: 11.19
